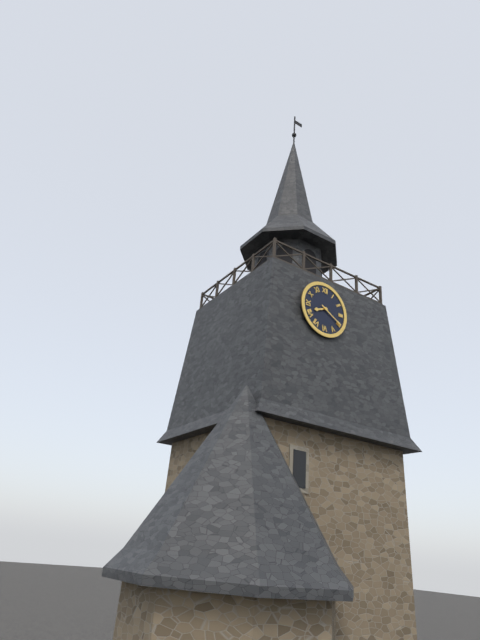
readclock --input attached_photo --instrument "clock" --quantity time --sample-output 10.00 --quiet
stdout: 8.20
